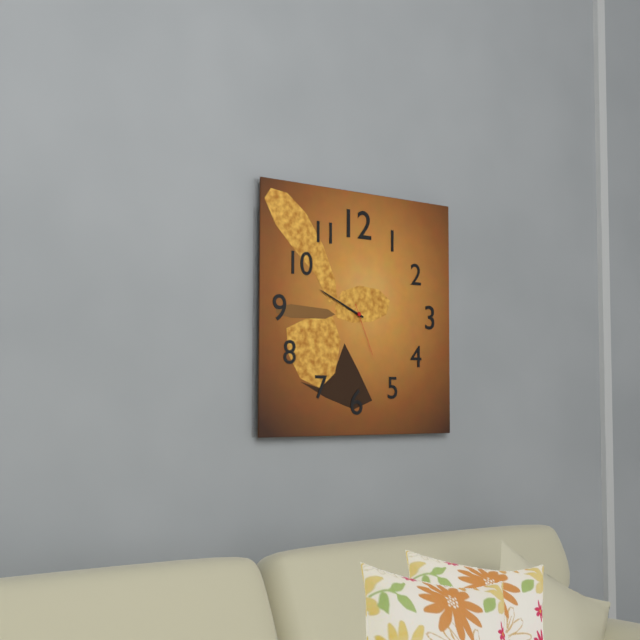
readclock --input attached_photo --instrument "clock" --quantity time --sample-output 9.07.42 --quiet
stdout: 9.49.26
